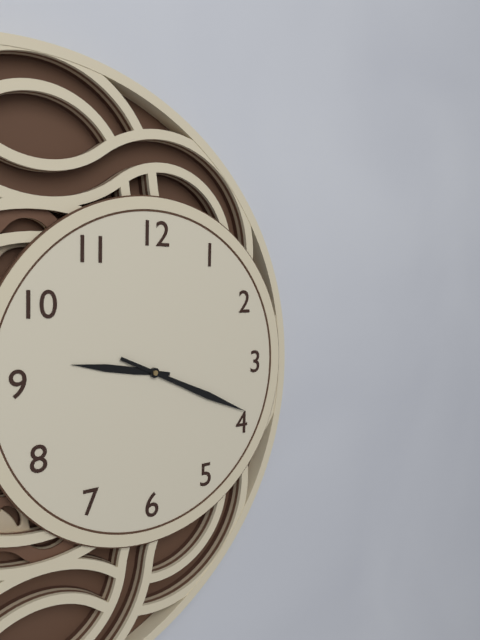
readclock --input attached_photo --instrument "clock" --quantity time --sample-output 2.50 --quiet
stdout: 9.19
